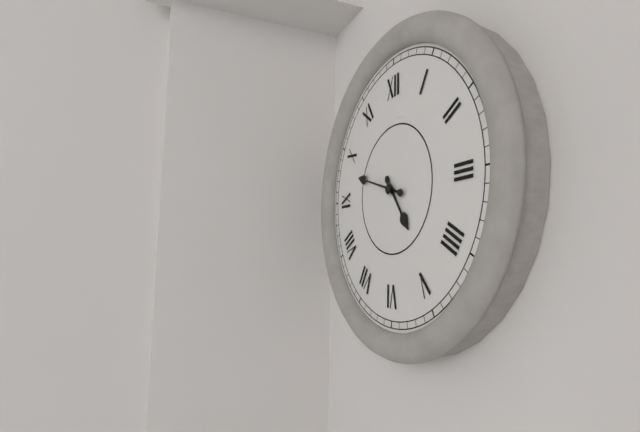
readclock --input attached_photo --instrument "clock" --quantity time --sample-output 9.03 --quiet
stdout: 4.48
